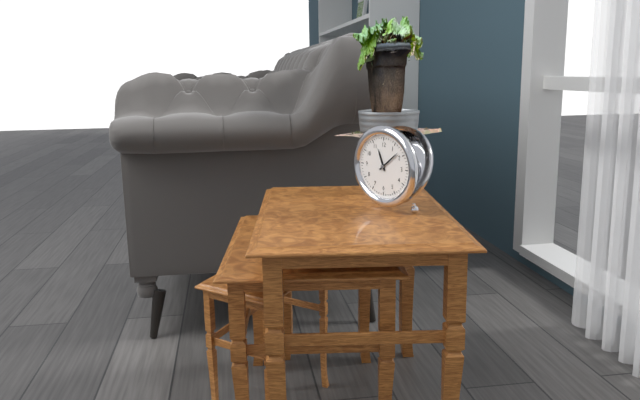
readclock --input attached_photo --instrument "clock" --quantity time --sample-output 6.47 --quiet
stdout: 11.09
